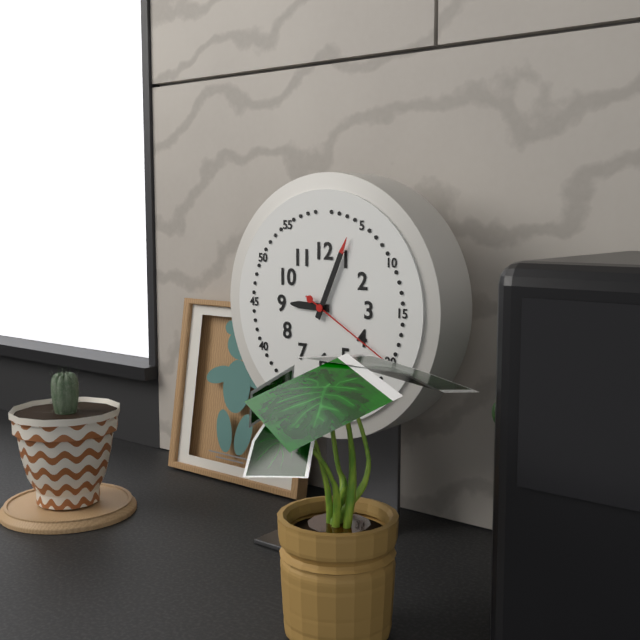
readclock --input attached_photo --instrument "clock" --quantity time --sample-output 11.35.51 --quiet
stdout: 9.04.20
